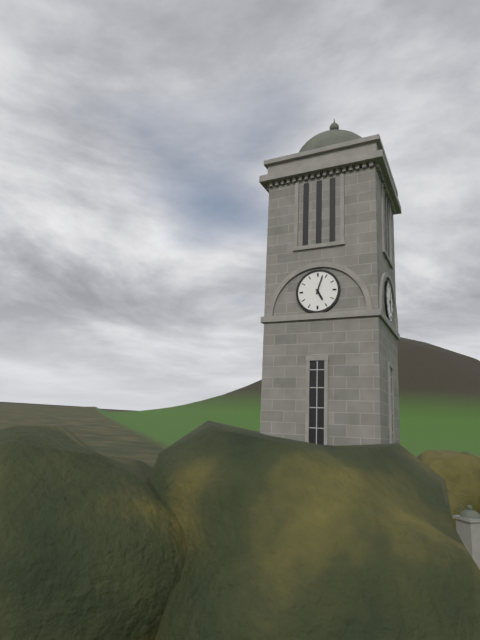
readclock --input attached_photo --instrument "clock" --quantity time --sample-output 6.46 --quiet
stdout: 5.03
